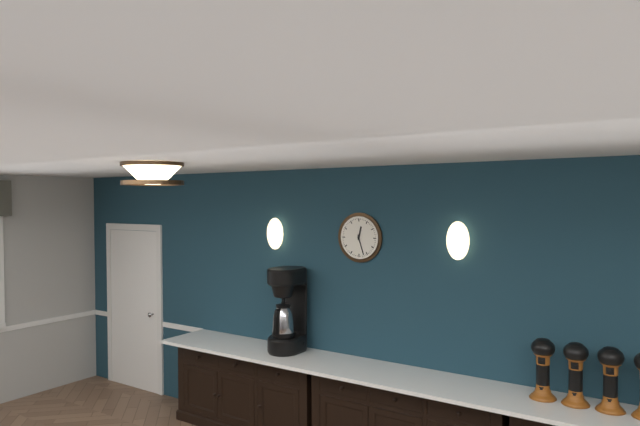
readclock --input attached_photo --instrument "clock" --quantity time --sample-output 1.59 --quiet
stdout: 12.27
